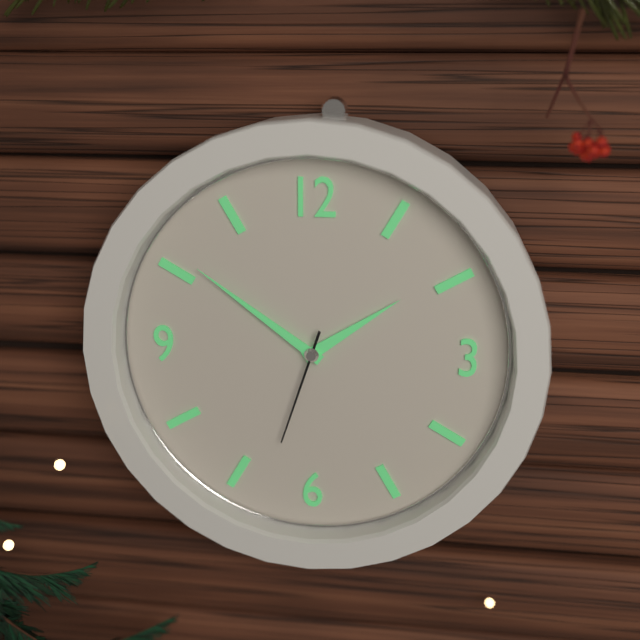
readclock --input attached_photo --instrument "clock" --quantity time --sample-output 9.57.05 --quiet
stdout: 1.51.33
